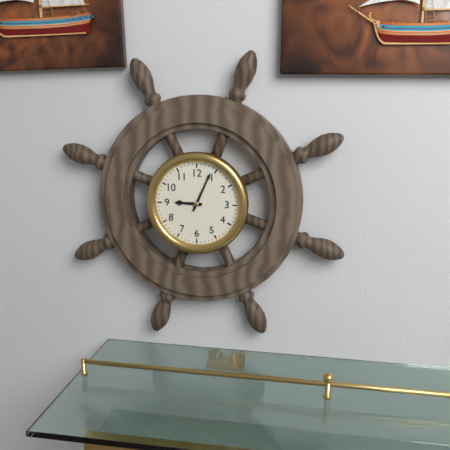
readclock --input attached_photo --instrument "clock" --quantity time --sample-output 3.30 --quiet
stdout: 9.04
